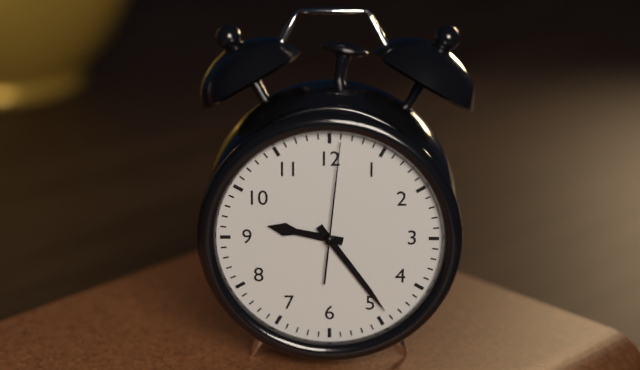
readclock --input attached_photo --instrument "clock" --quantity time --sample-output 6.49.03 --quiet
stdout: 9.24.01
